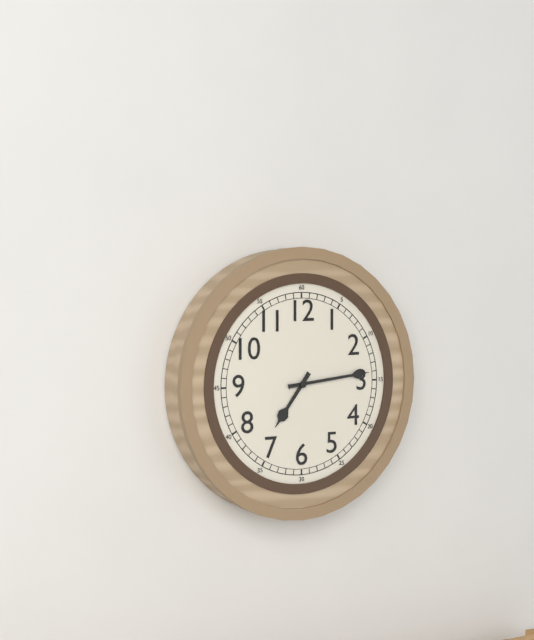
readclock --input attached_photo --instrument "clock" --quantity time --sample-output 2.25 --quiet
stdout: 7.14
